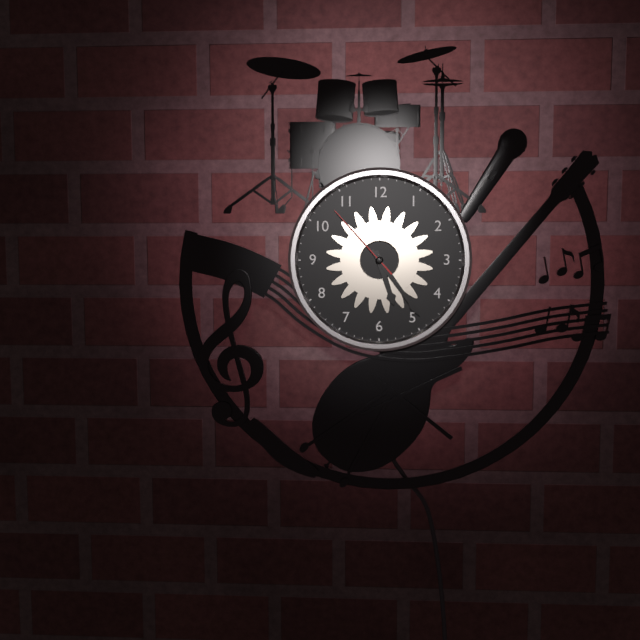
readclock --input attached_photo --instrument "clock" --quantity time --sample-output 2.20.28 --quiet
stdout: 5.24.53
